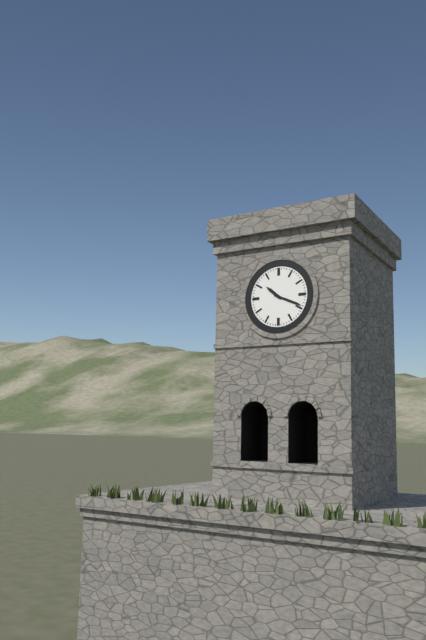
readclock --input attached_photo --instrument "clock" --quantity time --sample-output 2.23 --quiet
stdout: 10.19
